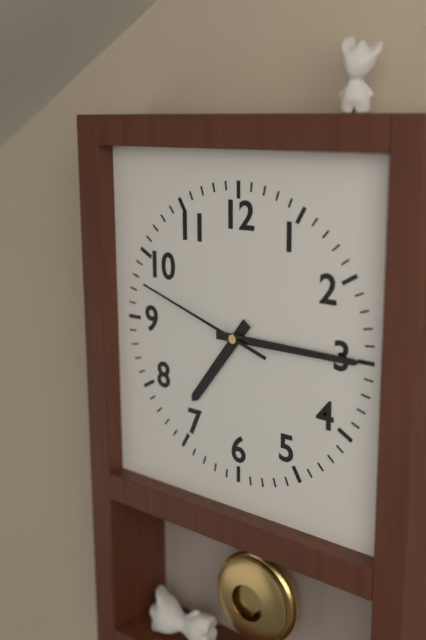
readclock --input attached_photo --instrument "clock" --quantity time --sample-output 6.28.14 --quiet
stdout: 7.15.48
